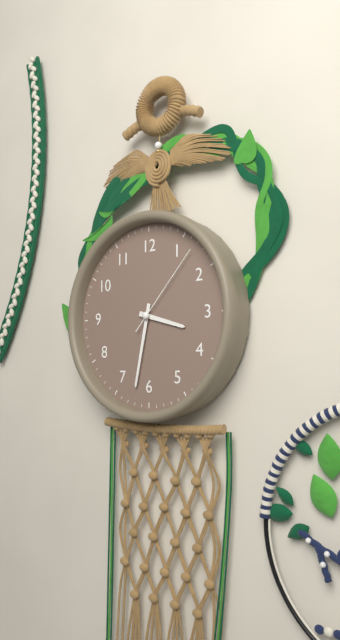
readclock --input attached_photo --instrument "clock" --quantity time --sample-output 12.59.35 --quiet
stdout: 3.32.07
